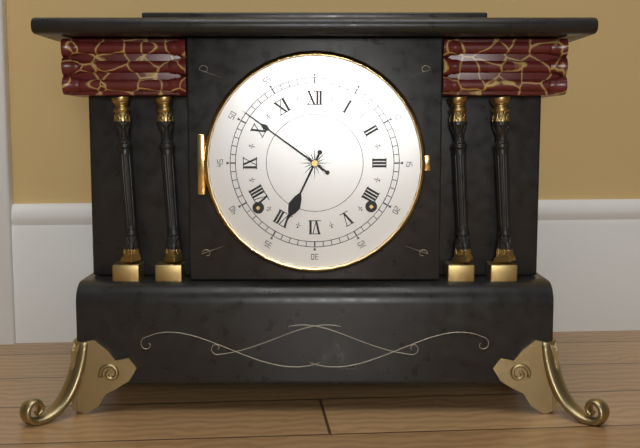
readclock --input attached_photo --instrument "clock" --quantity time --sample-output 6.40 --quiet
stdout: 6.51
